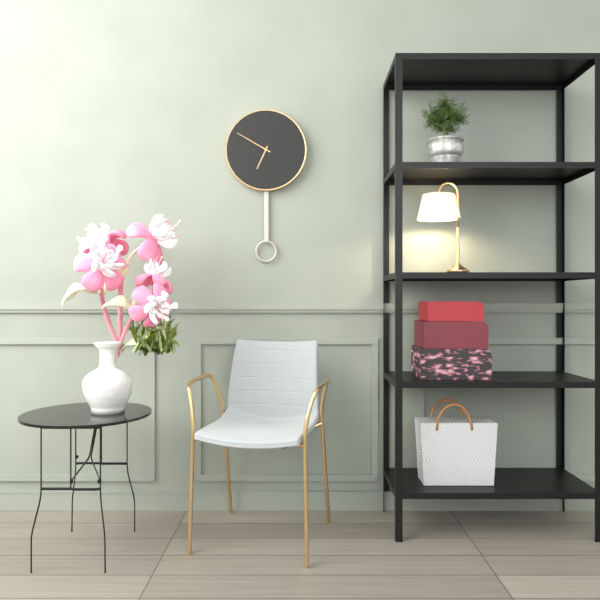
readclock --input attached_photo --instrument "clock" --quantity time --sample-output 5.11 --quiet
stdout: 6.50
